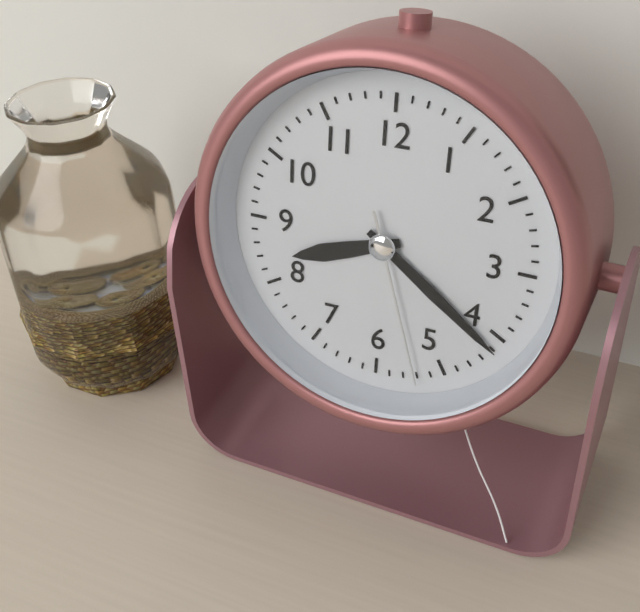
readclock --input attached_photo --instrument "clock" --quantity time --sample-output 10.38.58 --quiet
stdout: 8.21.27
